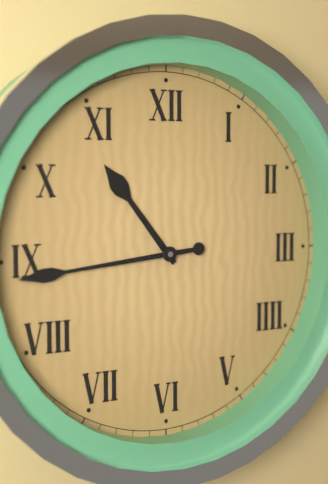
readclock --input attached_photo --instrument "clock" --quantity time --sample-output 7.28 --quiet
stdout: 10.44
